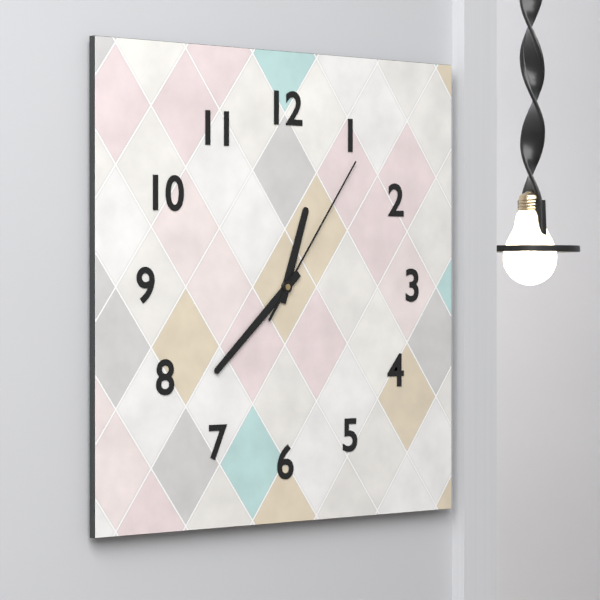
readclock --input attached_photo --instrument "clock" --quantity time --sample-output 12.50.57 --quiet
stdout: 12.38.06
